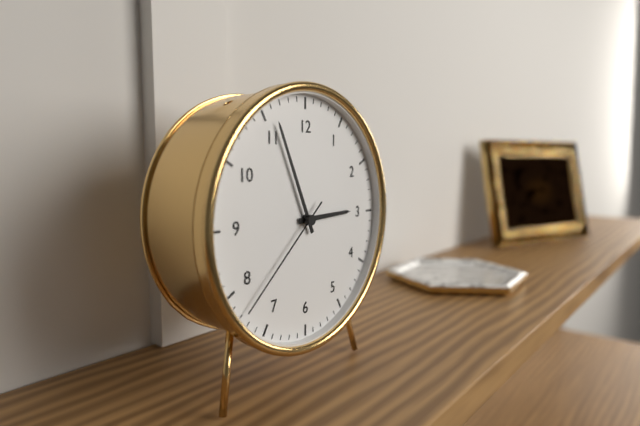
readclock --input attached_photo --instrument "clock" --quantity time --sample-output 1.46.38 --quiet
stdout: 2.56.38
